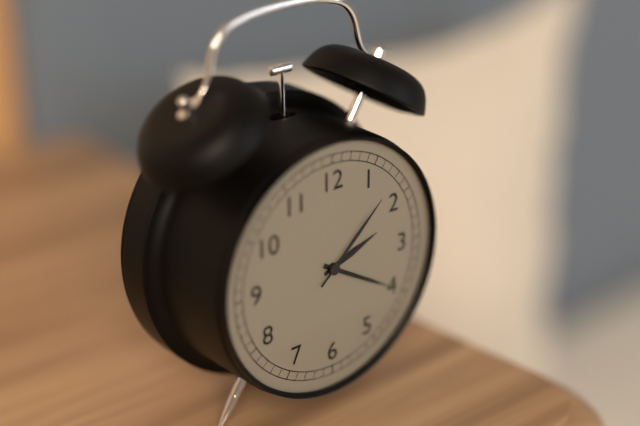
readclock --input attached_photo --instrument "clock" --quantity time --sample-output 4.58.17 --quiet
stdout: 2.20.08
